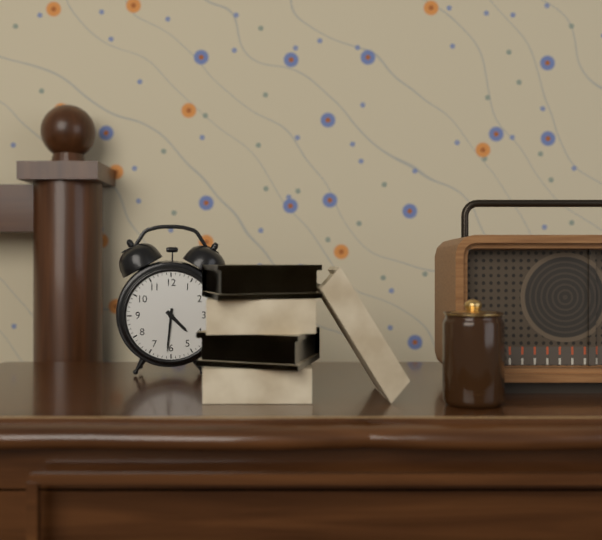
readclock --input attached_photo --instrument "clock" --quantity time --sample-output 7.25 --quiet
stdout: 4.31
